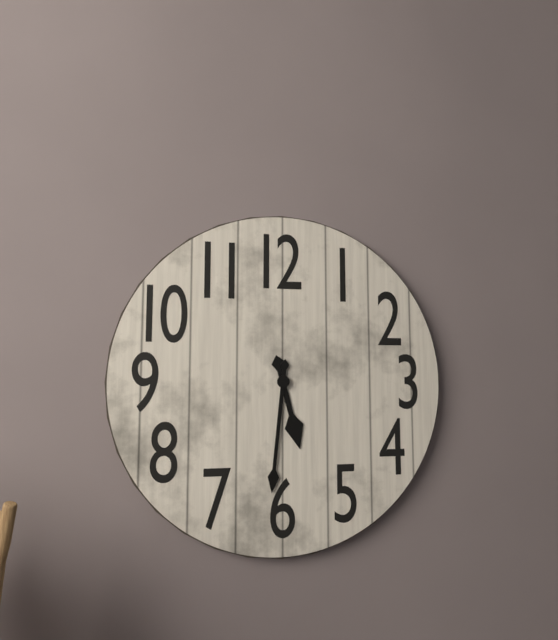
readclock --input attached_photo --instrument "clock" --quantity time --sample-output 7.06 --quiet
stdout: 5.31
